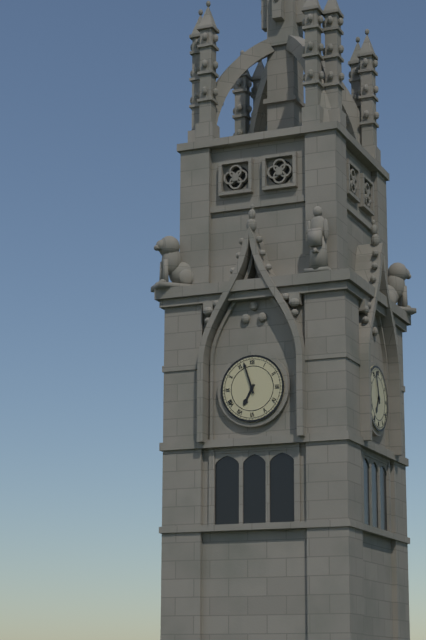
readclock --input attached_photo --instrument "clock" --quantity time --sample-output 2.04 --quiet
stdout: 6.57
